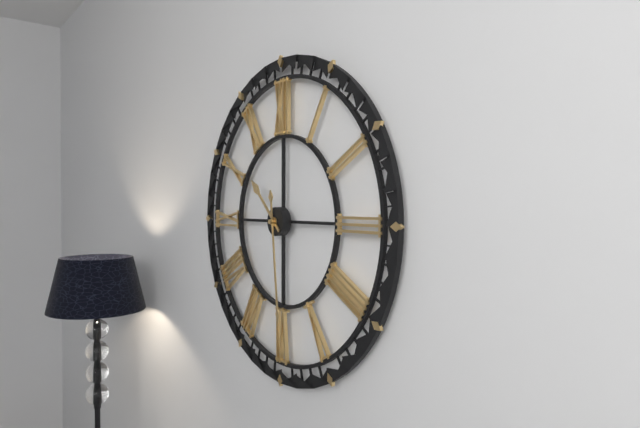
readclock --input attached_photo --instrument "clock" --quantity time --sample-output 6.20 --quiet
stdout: 10.29
